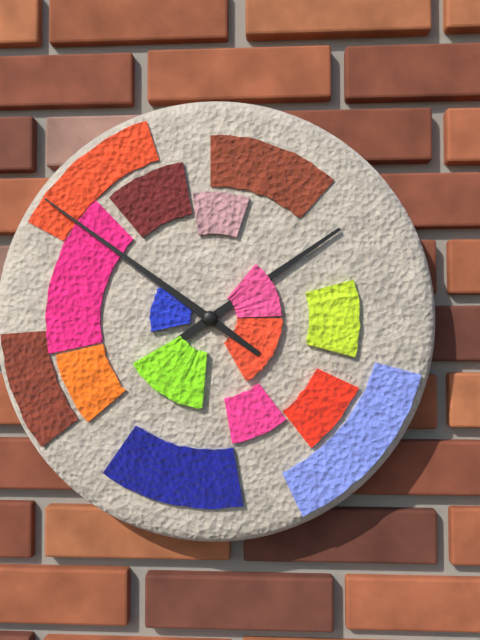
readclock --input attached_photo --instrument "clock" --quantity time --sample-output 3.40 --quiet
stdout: 1.51
